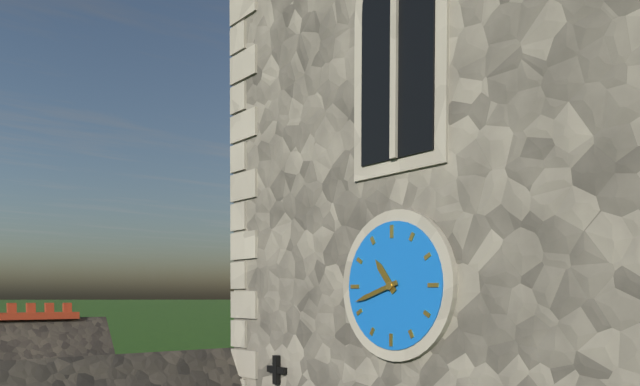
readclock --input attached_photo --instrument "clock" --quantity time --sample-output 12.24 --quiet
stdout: 10.42
